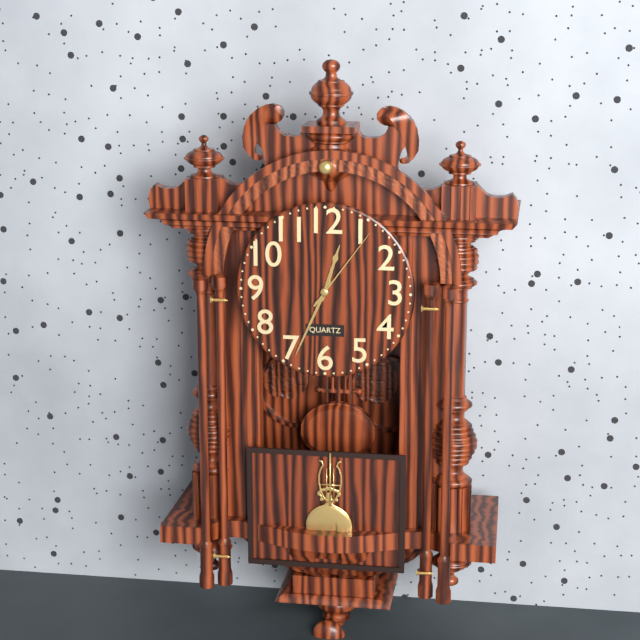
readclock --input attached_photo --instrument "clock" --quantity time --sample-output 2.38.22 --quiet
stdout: 12.34.06
